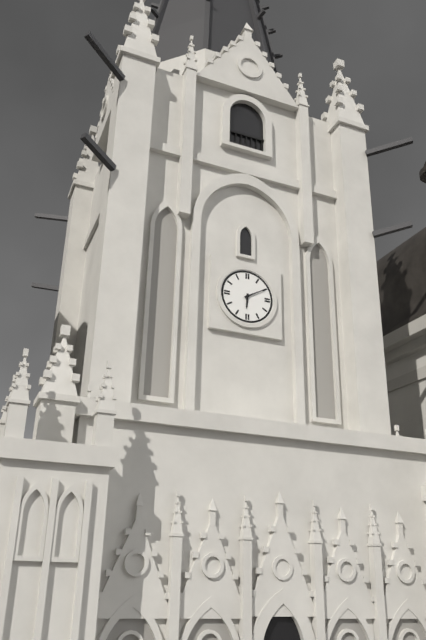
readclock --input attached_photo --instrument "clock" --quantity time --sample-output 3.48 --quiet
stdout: 6.10
